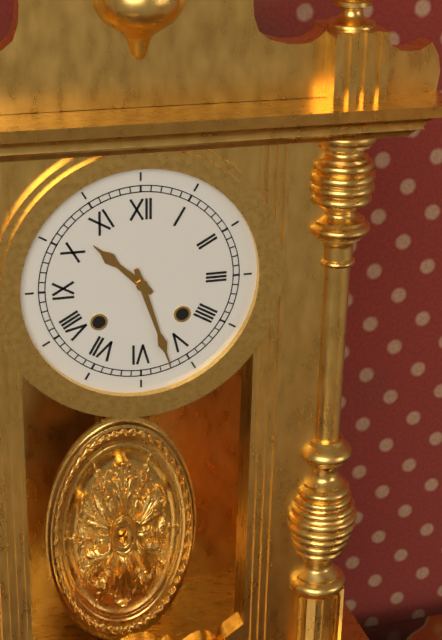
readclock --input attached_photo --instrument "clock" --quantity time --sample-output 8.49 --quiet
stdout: 10.27
